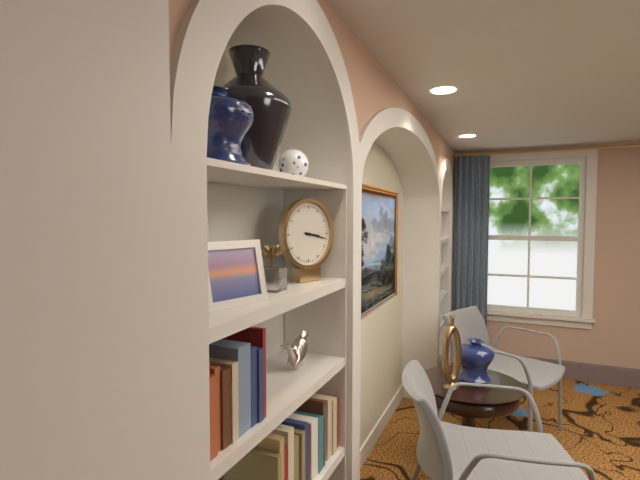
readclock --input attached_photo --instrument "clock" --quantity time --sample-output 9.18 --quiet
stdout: 3.17
